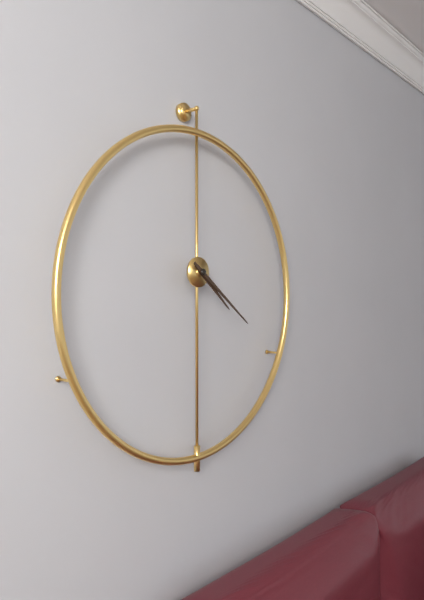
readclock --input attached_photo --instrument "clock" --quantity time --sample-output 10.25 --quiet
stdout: 4.21
